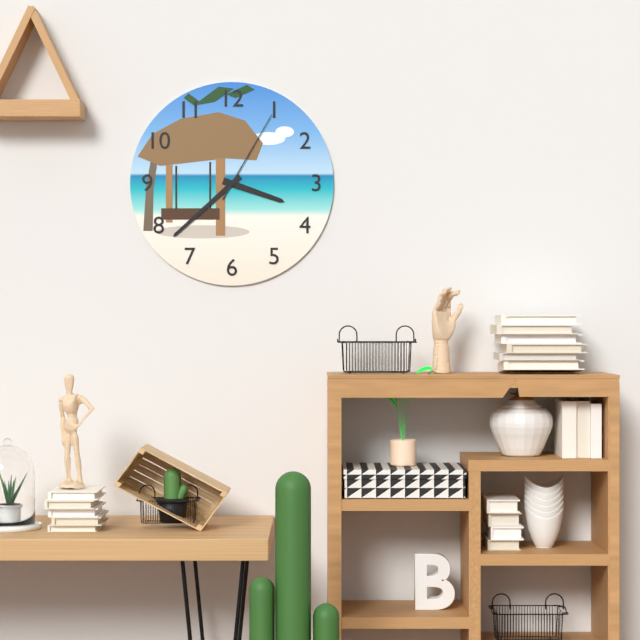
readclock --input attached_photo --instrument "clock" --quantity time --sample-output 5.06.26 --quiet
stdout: 3.38.05
